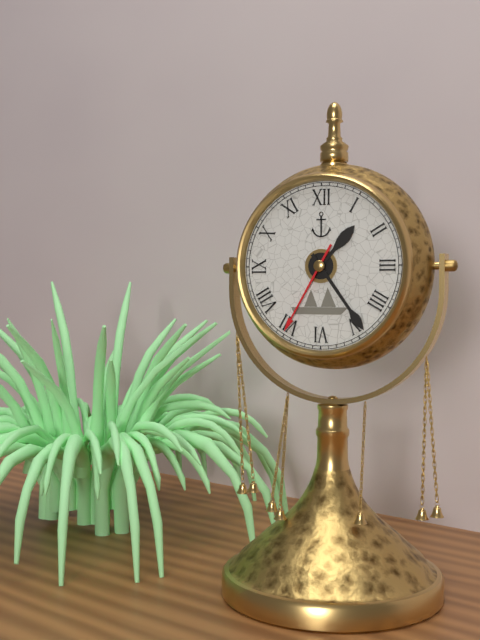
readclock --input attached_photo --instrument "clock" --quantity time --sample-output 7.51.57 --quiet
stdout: 1.24.35
